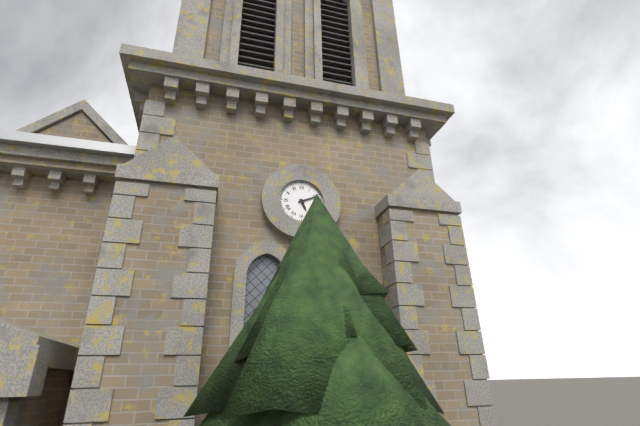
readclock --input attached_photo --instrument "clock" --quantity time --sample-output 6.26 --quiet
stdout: 5.11
